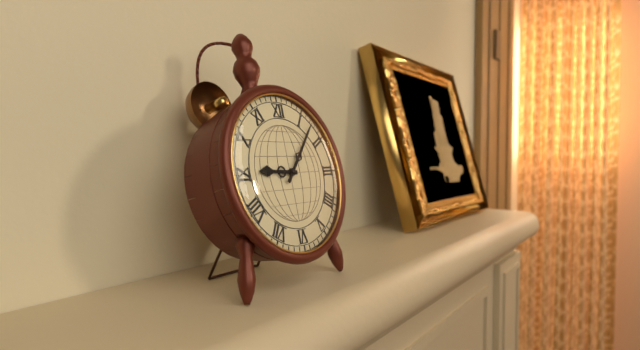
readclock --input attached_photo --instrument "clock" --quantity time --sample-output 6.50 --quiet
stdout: 9.07
